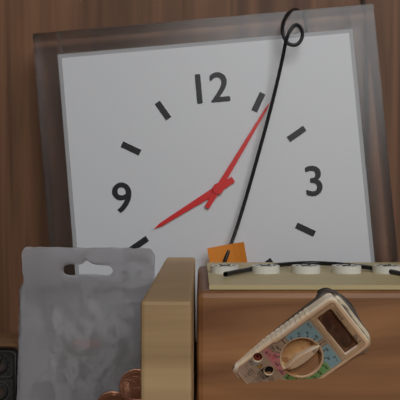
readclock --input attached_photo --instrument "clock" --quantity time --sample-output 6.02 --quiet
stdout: 8.06
